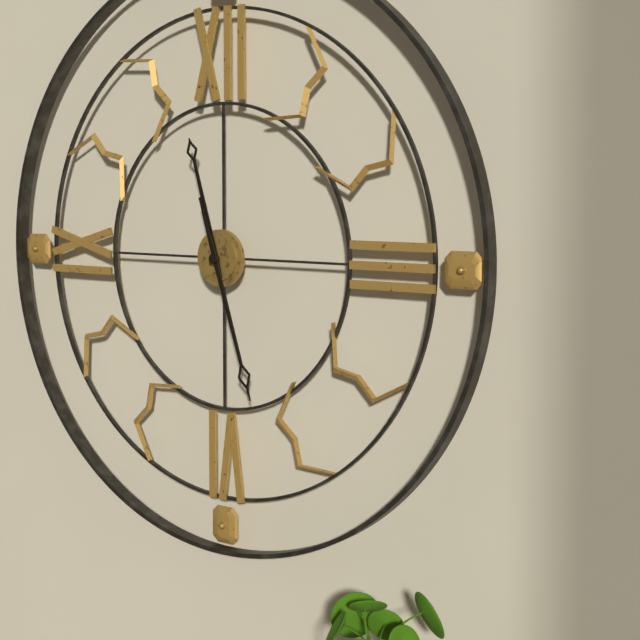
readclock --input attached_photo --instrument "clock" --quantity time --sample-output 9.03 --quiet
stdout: 11.27
